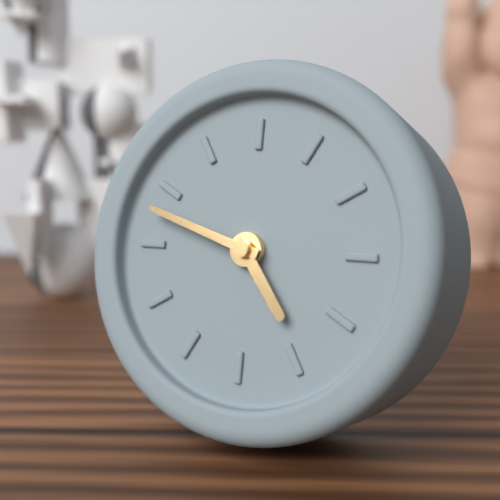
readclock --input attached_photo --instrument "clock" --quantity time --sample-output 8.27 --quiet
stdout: 4.48
